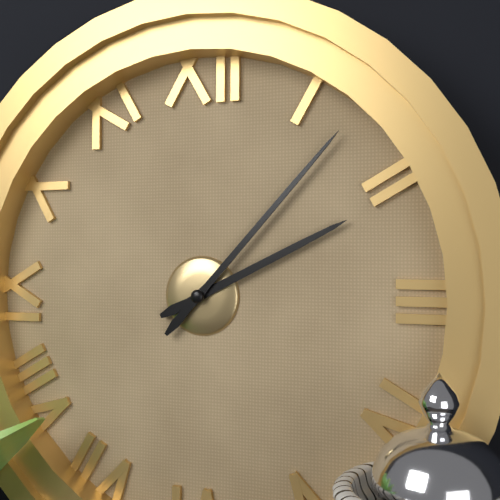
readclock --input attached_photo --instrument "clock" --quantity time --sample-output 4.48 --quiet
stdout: 2.07
